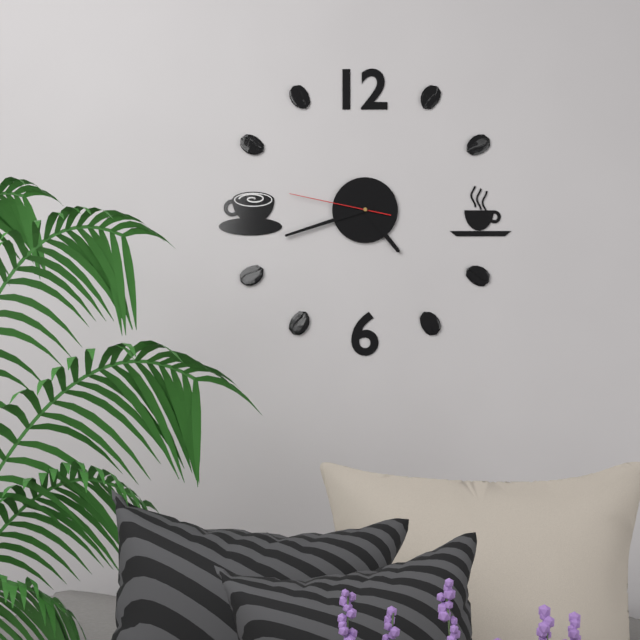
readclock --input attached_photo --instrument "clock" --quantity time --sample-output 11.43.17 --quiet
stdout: 4.42.47
